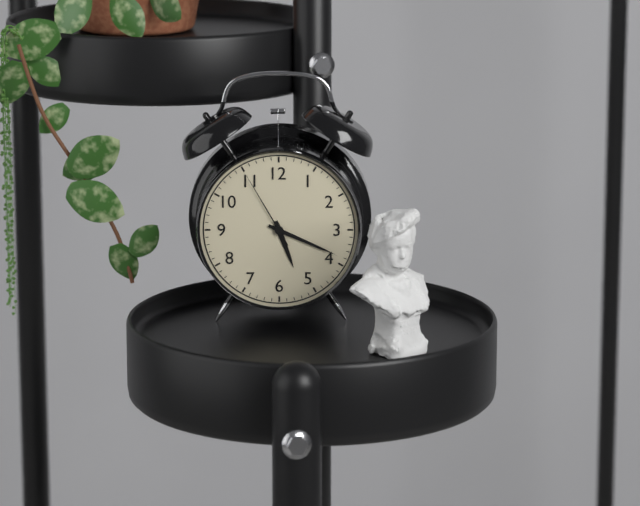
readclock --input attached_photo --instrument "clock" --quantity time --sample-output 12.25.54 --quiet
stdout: 5.19.55
